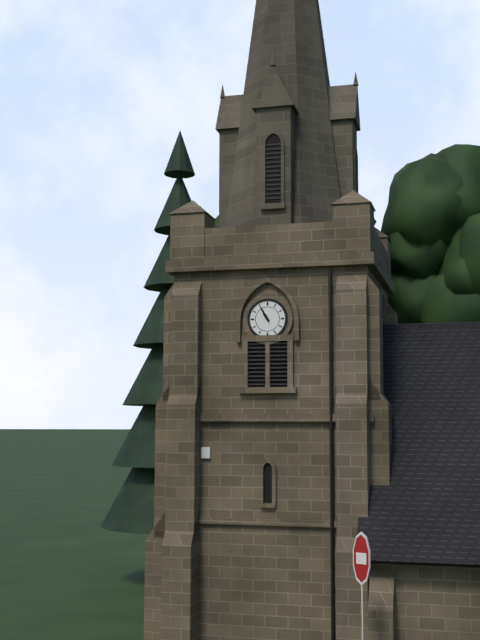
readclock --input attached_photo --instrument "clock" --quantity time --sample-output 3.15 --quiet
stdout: 10.55
